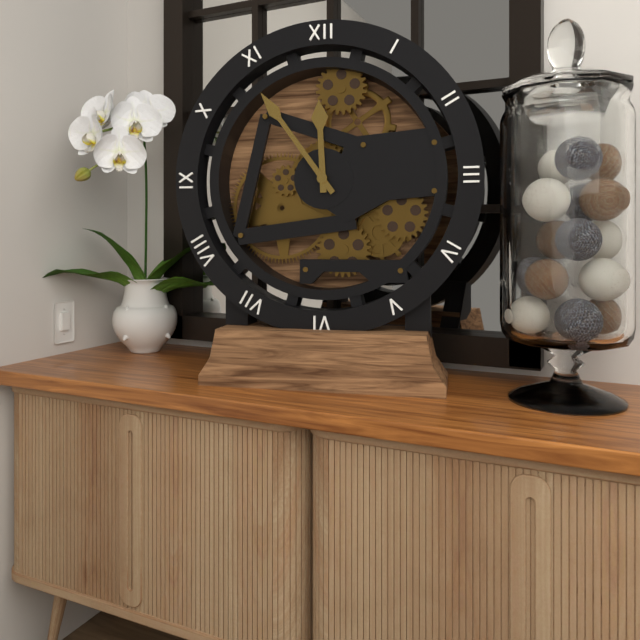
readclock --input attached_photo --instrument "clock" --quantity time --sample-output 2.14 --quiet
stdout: 11.54
